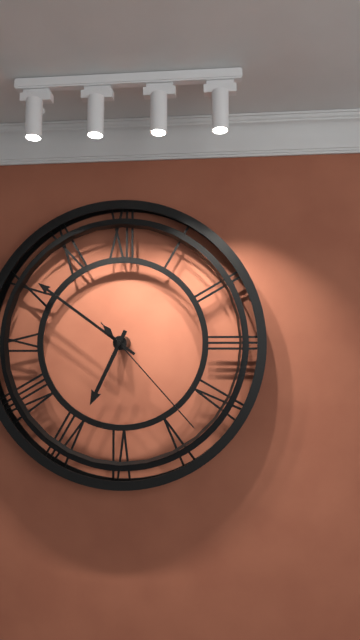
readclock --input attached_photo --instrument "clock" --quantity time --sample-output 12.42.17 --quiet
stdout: 6.51.23
